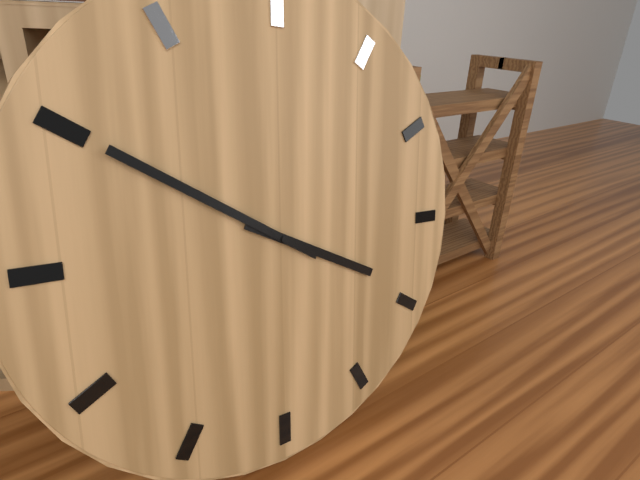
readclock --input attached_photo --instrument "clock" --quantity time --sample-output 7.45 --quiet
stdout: 3.50
